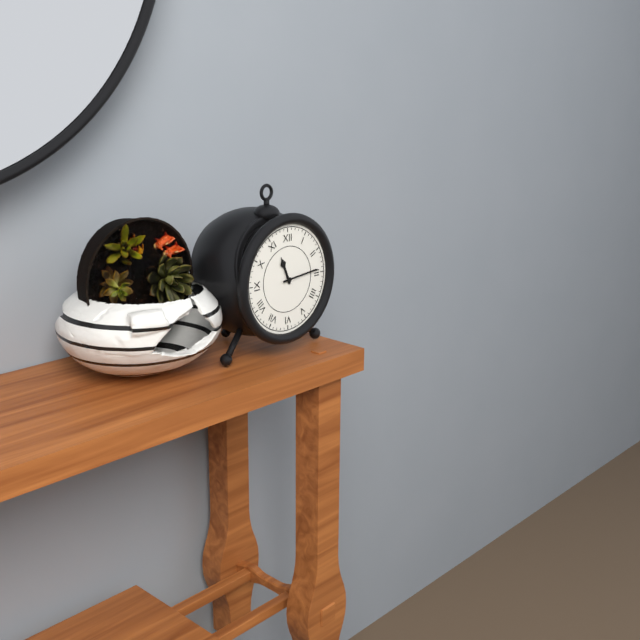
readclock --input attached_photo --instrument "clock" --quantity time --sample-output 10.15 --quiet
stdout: 11.14
